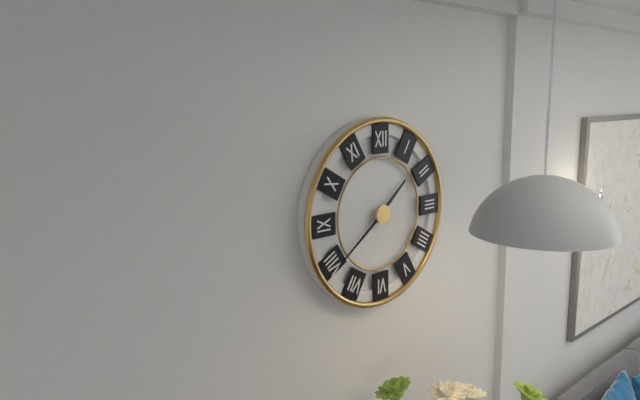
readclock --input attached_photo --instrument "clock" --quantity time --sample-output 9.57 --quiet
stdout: 1.39
